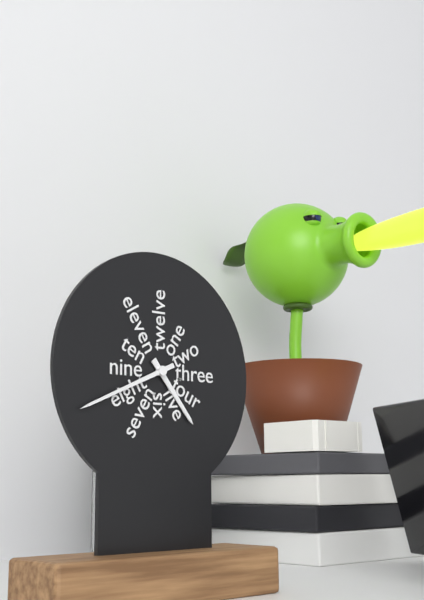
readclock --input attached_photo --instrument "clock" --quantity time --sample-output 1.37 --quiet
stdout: 4.41
